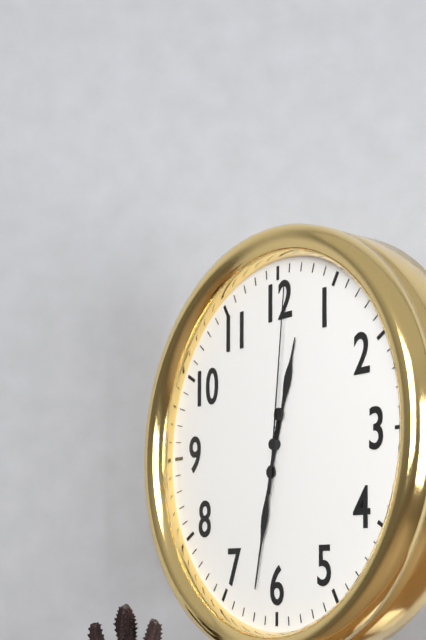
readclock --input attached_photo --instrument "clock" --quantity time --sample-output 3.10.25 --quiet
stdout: 12.32.01
